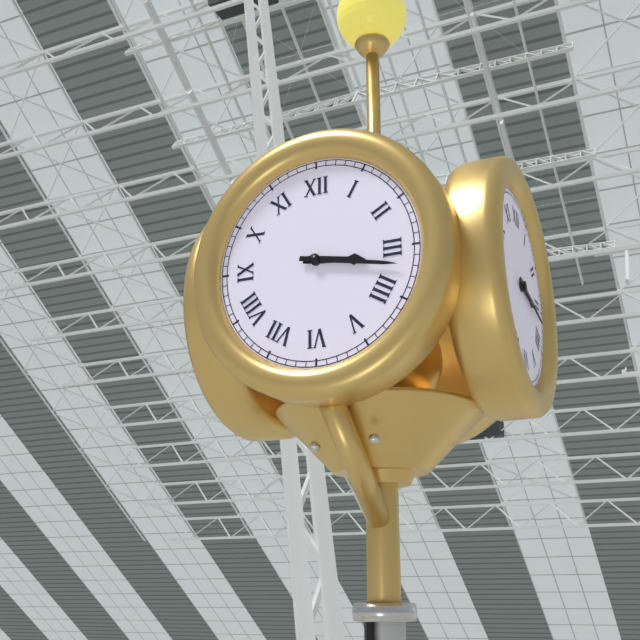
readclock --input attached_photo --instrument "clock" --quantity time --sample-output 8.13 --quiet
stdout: 3.17
